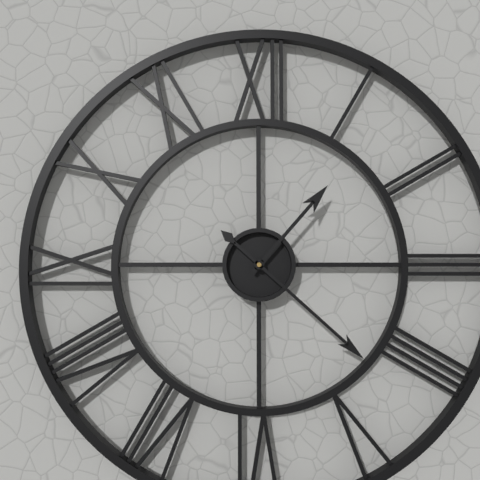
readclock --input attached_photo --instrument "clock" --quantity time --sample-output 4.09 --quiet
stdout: 1.22
